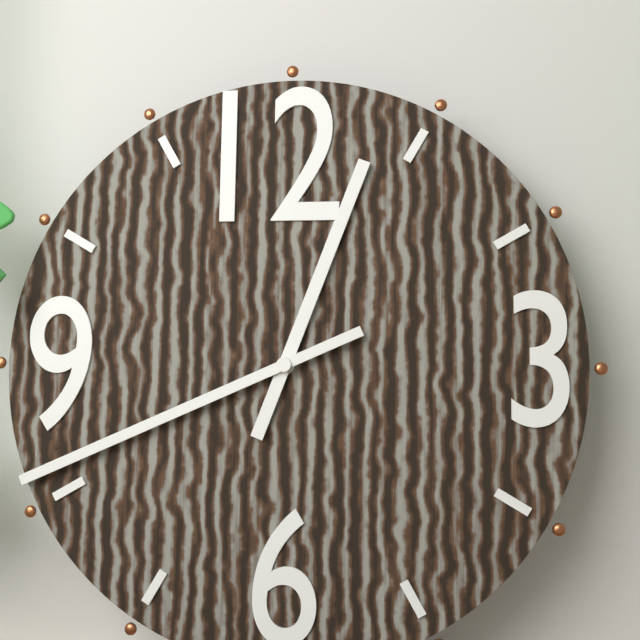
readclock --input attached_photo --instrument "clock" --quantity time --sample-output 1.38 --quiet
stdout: 12.41
